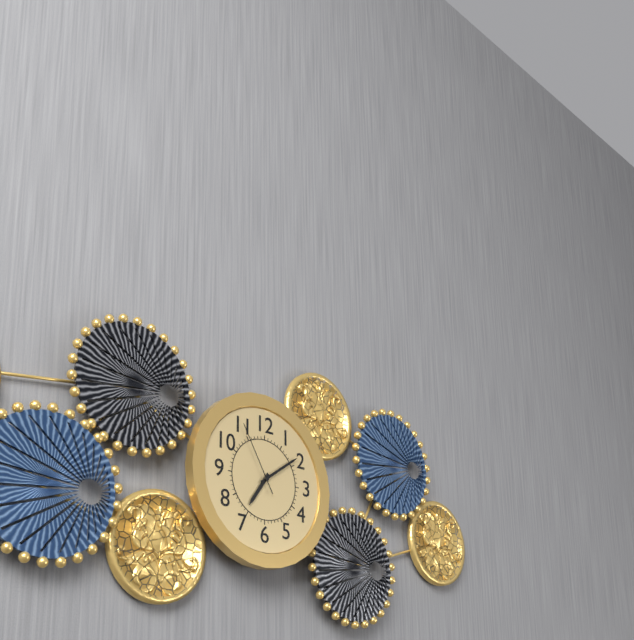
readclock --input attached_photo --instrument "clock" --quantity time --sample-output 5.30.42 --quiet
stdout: 7.09.55
